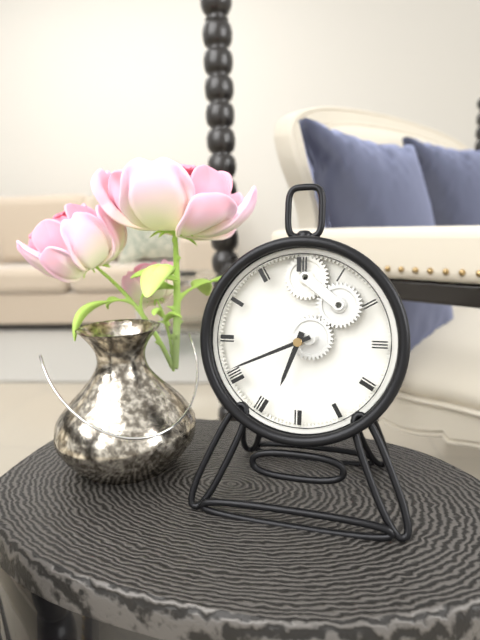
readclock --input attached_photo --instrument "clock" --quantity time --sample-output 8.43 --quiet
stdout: 6.41
